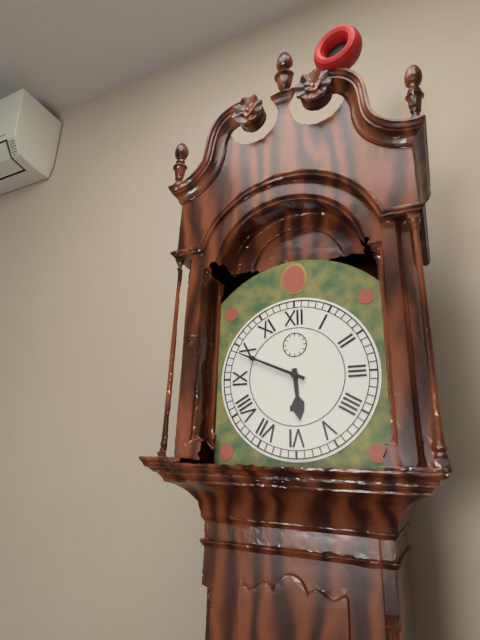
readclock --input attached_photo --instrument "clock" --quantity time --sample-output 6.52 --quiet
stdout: 5.49
